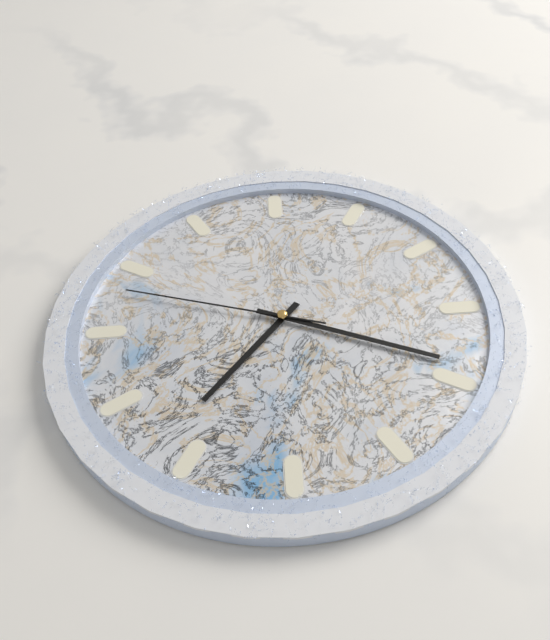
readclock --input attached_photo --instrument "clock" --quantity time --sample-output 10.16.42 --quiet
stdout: 7.19.48
